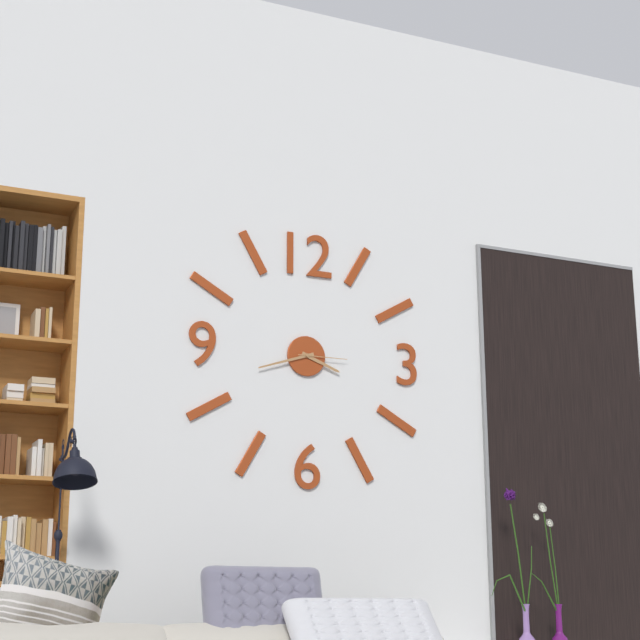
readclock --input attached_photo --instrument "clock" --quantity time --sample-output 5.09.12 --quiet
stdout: 3.42.15
